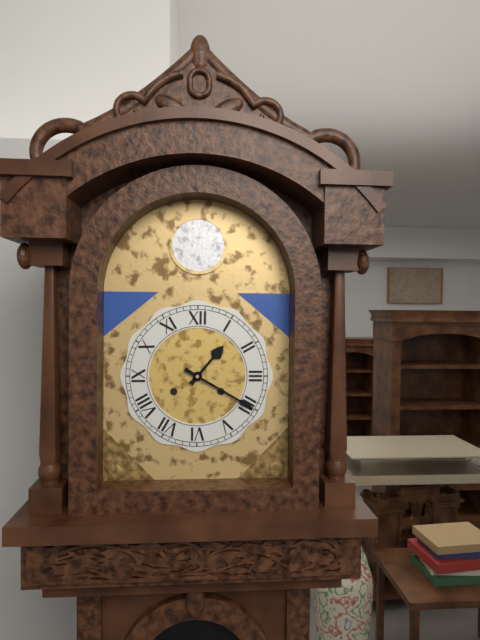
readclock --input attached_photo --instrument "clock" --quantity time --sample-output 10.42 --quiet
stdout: 1.20
